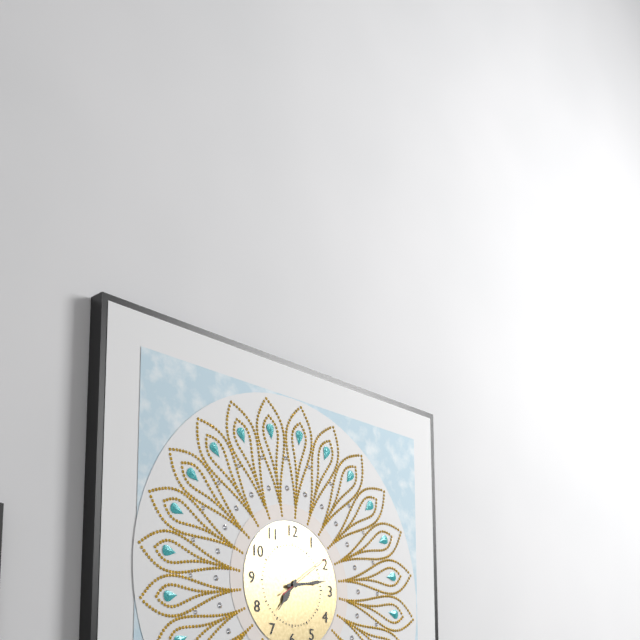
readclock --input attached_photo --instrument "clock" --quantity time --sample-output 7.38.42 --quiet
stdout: 7.13.09
